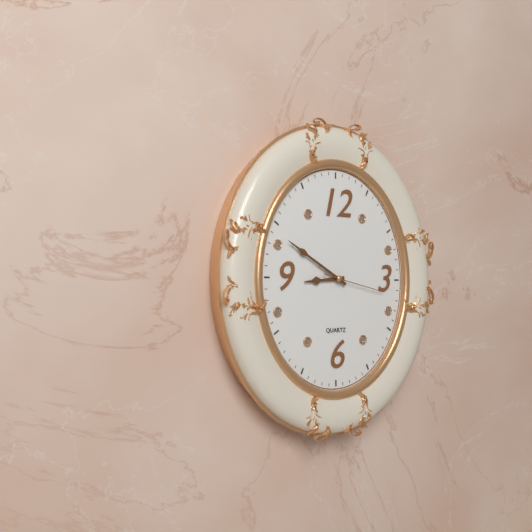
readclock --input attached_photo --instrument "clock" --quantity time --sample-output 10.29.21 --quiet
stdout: 8.50.17
